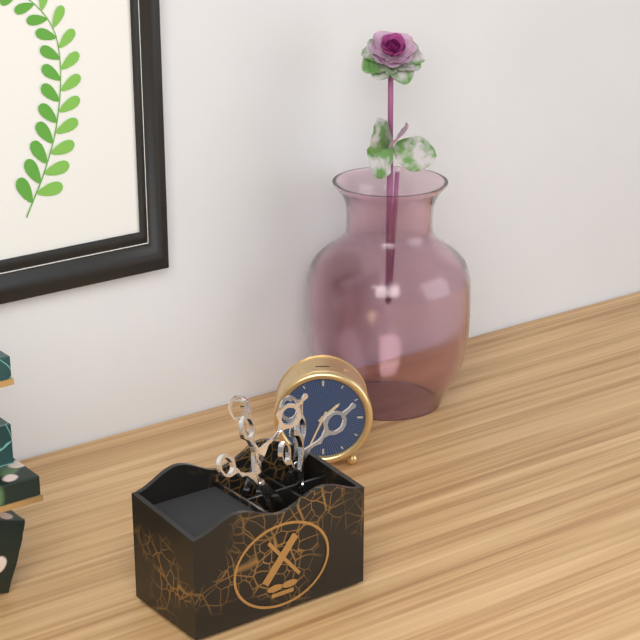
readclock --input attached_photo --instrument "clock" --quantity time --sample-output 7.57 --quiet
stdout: 1.34
